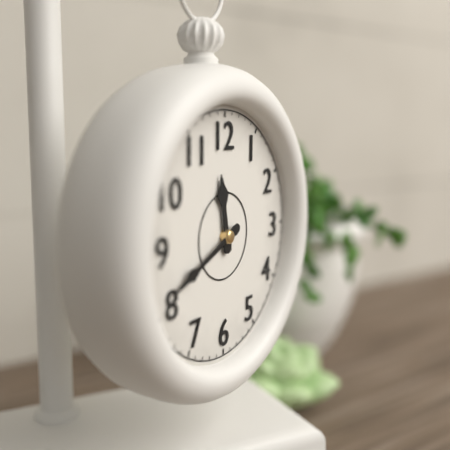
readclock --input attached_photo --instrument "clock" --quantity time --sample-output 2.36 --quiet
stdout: 11.41
